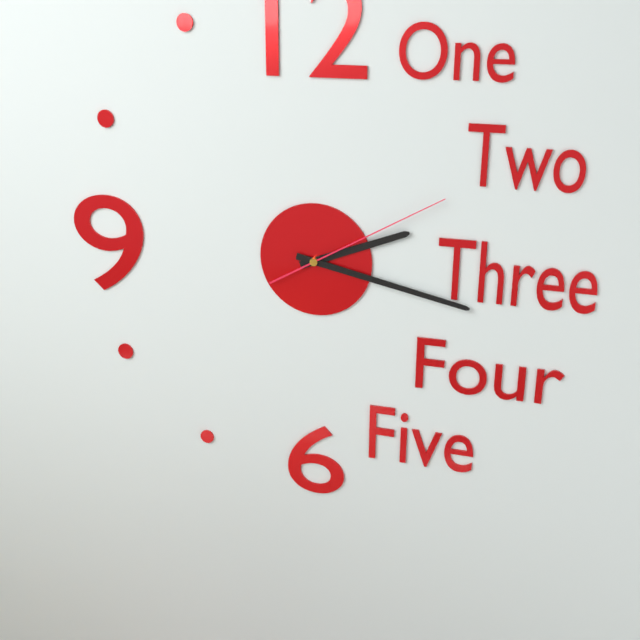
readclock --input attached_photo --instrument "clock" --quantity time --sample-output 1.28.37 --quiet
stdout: 2.17.10
